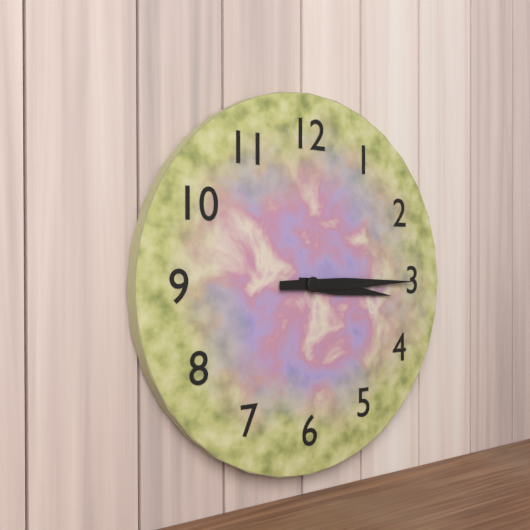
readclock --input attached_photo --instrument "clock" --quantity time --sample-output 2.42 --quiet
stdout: 3.15
